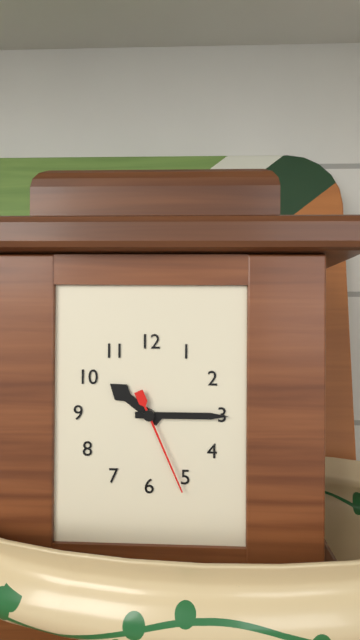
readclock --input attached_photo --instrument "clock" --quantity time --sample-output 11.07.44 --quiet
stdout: 10.15.26
